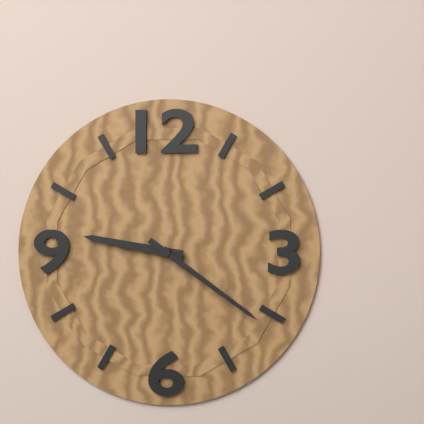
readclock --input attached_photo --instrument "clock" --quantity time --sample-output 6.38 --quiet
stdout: 9.21
